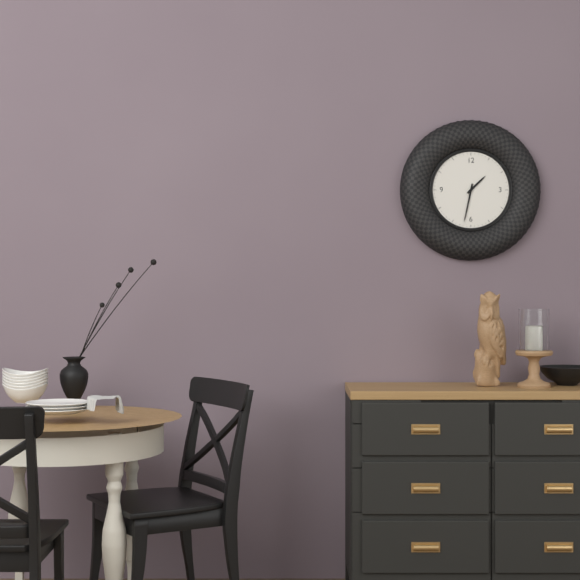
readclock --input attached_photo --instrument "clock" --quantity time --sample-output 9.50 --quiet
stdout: 1.32
